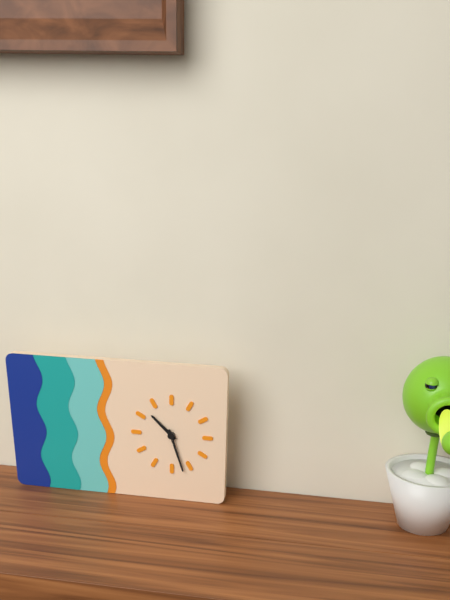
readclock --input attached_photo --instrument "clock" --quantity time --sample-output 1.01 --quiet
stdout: 10.27
